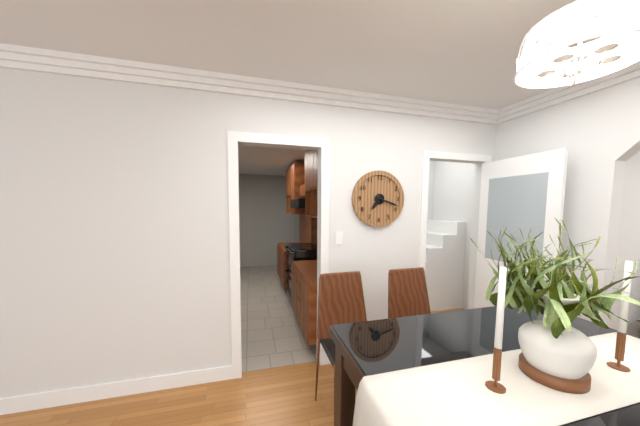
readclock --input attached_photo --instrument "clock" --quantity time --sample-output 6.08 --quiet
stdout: 7.18
